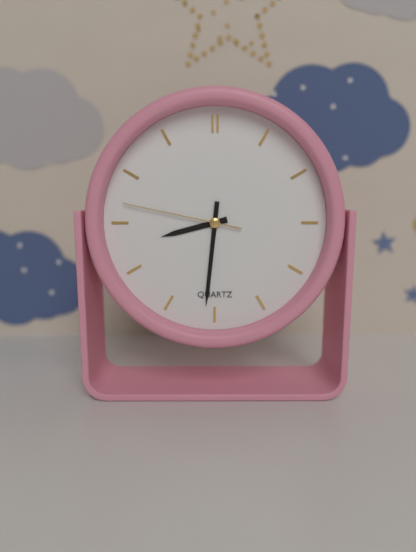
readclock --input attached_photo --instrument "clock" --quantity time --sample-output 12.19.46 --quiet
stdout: 8.31.47
